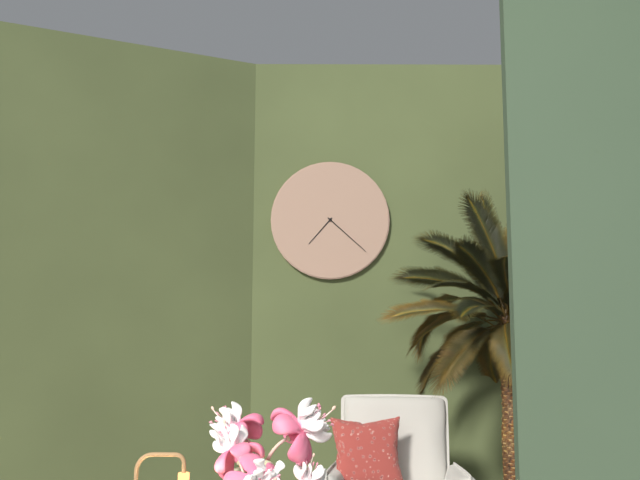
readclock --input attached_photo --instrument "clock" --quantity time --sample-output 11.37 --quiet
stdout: 7.22
